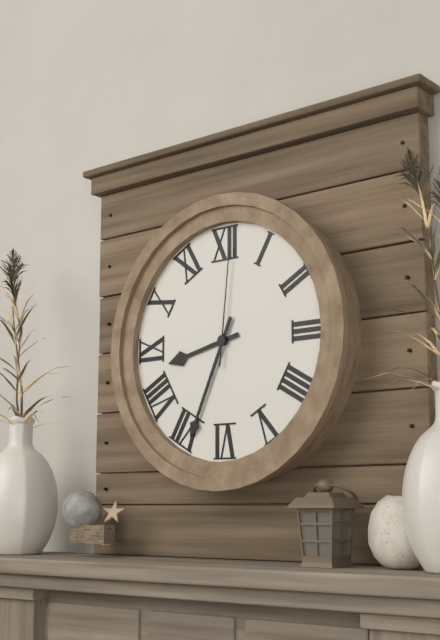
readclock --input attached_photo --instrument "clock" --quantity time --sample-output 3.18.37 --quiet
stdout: 8.34.01
